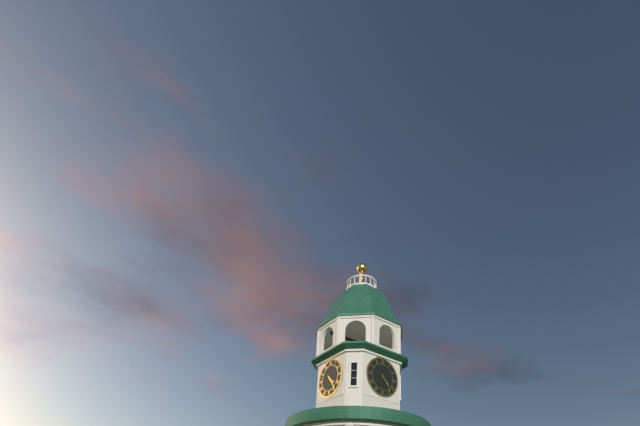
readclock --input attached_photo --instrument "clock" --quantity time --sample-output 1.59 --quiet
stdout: 4.24
